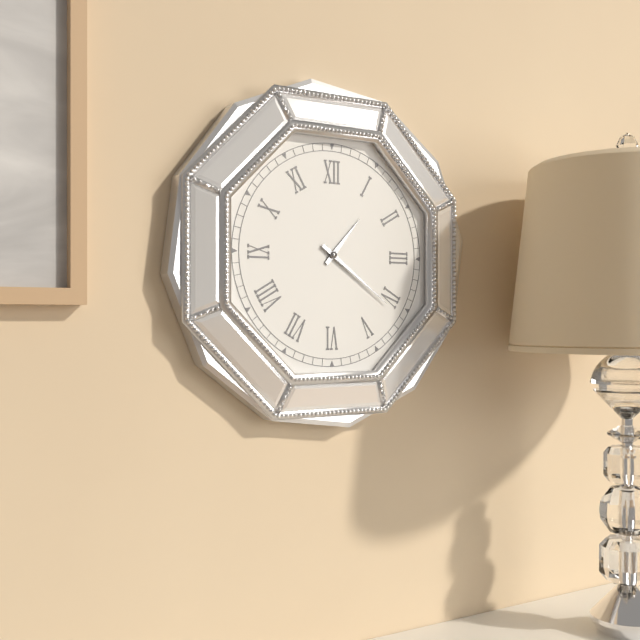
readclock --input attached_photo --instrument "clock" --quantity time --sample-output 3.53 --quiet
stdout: 1.21
